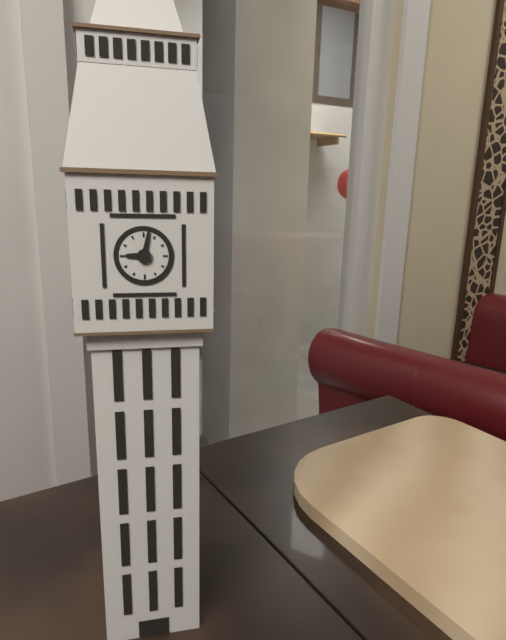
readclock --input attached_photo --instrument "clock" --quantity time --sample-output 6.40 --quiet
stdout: 9.02
